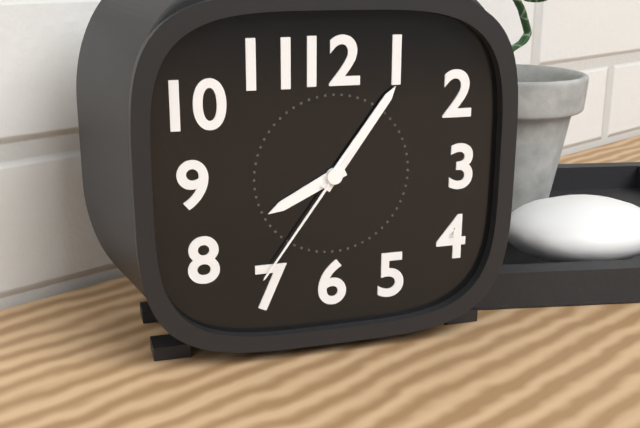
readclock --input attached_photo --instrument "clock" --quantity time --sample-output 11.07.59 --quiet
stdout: 8.06.36
